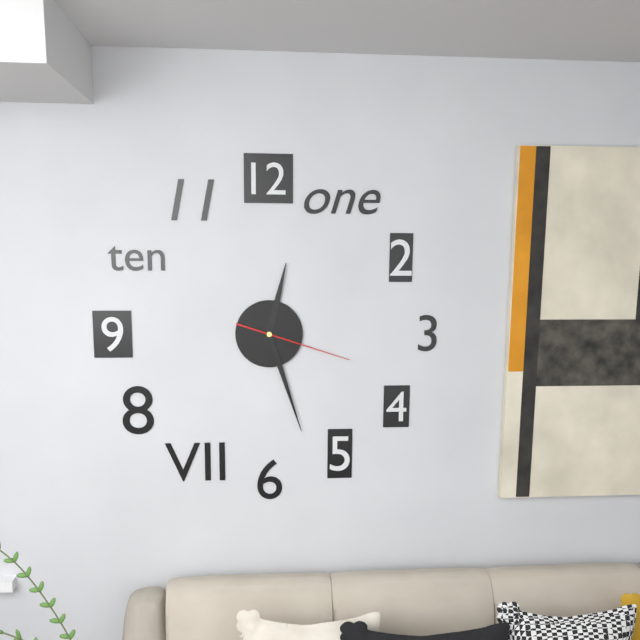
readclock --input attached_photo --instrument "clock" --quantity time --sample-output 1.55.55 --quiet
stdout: 12.27.18
